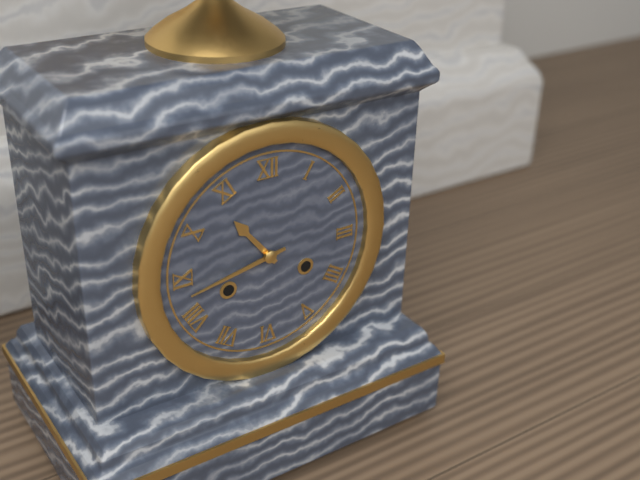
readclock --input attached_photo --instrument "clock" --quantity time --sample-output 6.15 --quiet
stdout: 10.43
